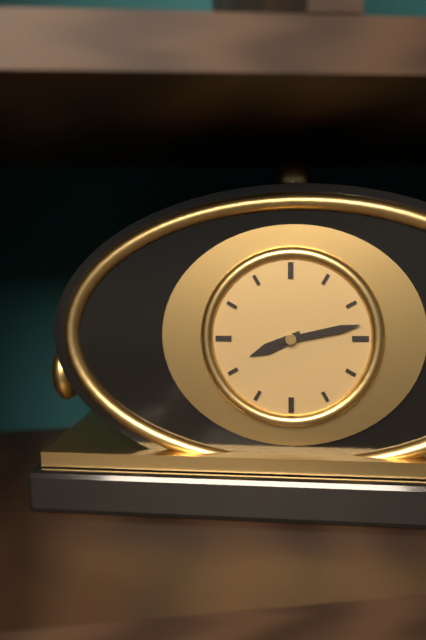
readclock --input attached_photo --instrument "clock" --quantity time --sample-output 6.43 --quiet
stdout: 8.13
